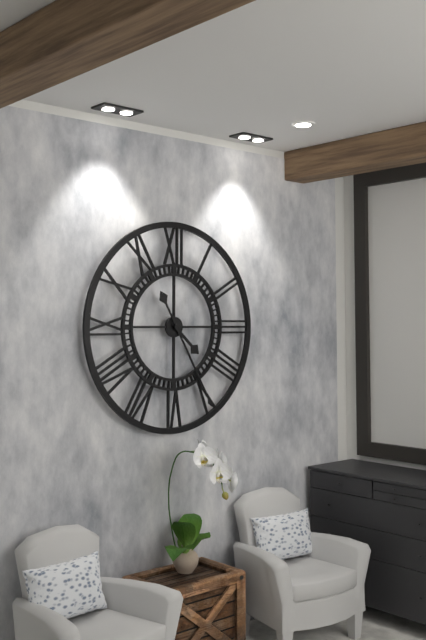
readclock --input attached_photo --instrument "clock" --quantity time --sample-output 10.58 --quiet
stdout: 4.25
